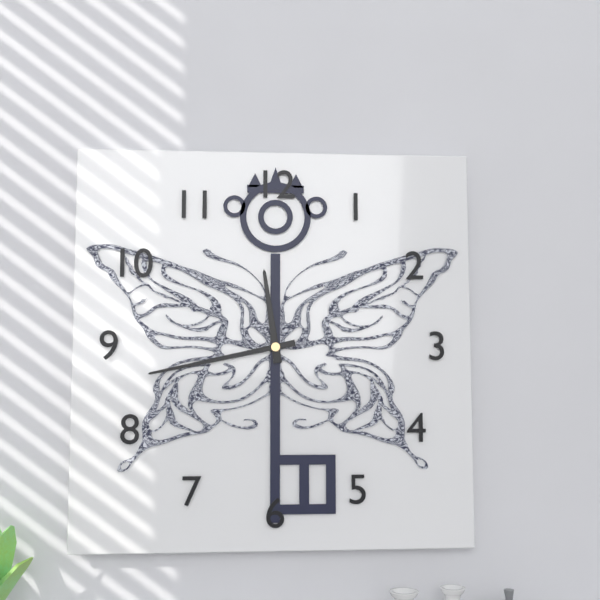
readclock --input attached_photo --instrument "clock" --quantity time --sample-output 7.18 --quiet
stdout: 11.43
